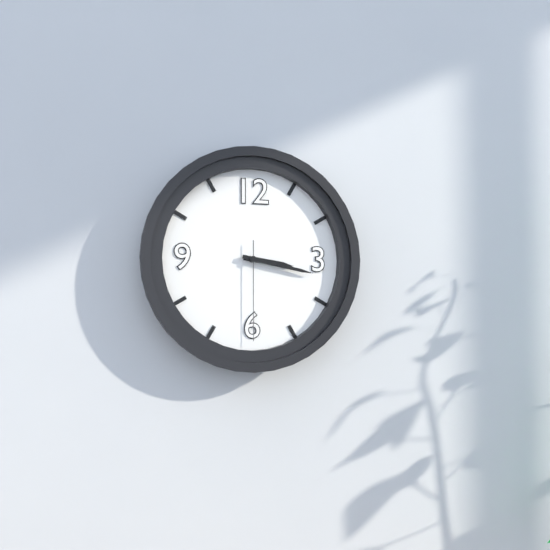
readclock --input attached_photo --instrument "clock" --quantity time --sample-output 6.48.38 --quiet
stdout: 3.17.30
